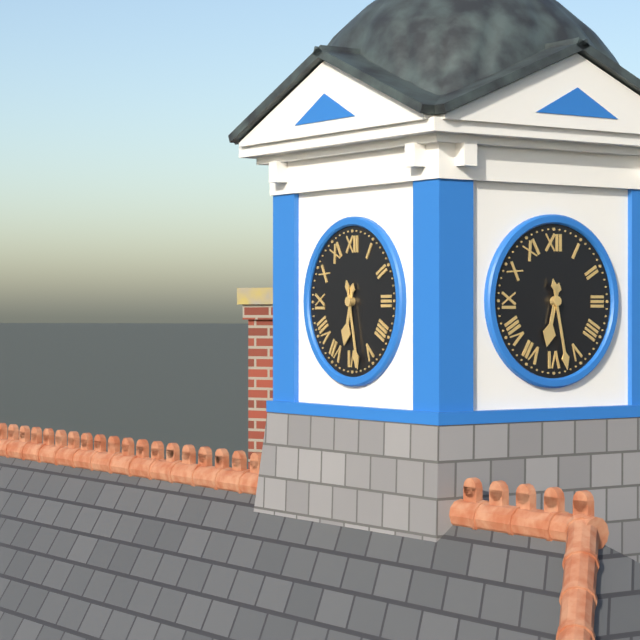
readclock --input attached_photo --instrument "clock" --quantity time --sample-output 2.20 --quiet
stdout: 6.28
